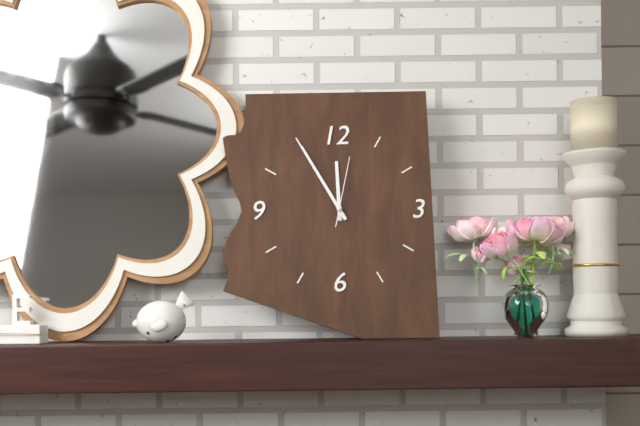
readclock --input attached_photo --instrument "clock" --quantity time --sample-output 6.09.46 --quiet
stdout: 11.55.02
